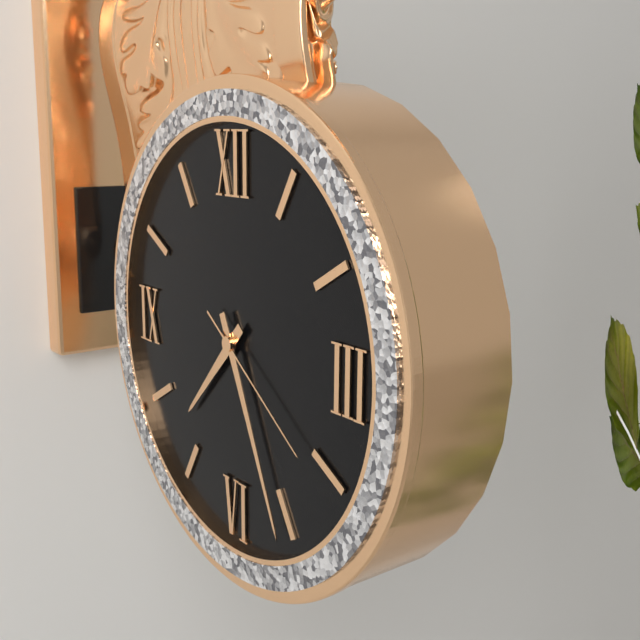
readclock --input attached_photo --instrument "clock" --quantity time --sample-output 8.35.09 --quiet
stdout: 7.26.21
